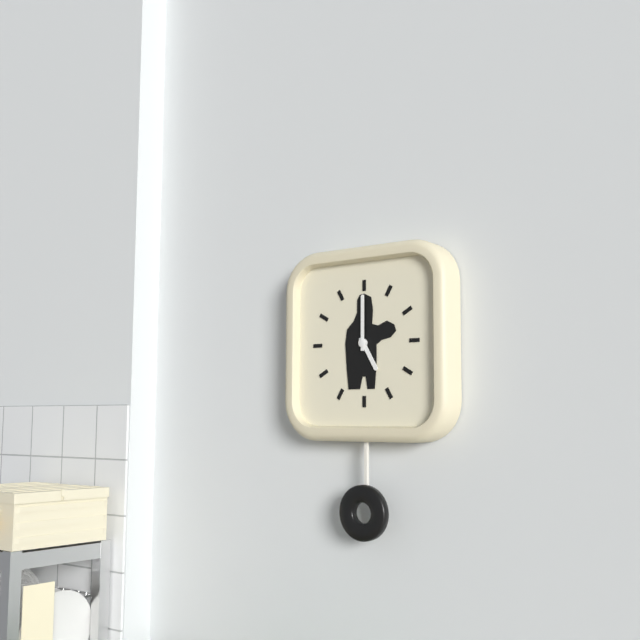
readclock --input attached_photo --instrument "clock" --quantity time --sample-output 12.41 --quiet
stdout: 5.00
